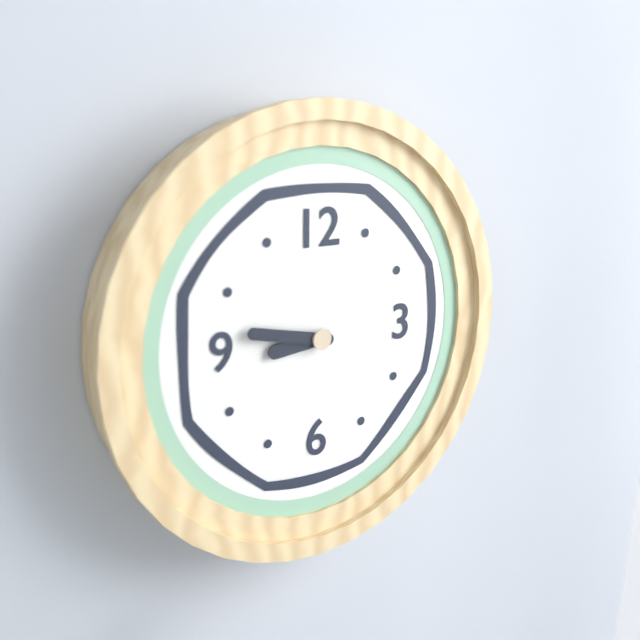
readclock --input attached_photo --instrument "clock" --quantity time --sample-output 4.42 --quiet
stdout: 8.47
